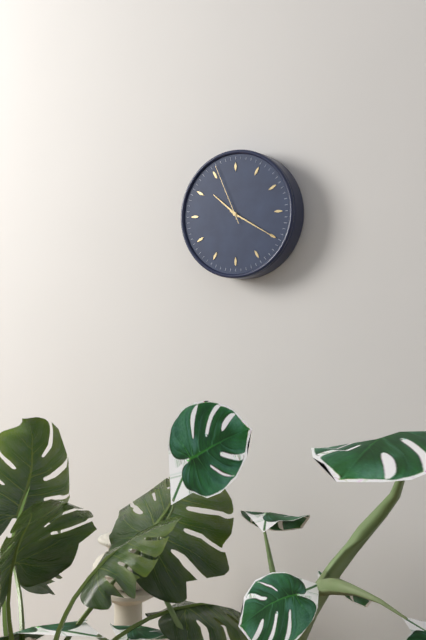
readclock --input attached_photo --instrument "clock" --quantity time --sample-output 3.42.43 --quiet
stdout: 10.20.56
